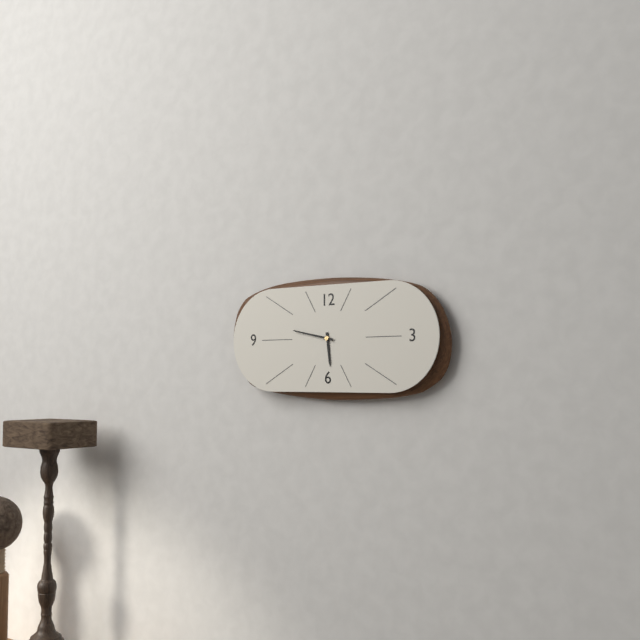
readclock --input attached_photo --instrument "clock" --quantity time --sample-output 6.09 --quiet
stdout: 5.47
